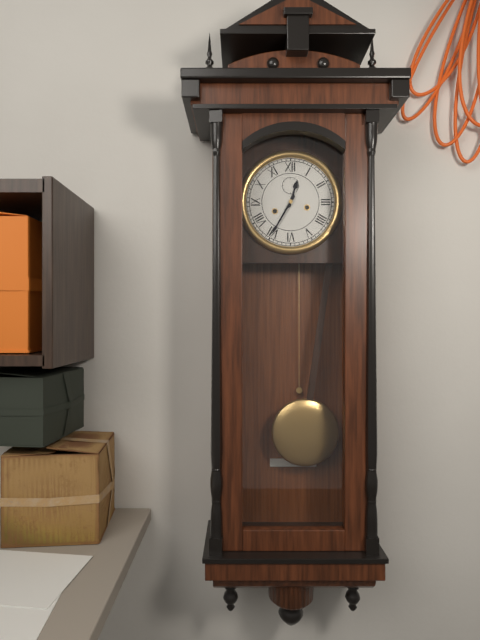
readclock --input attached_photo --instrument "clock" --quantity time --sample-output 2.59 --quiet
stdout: 12.35
